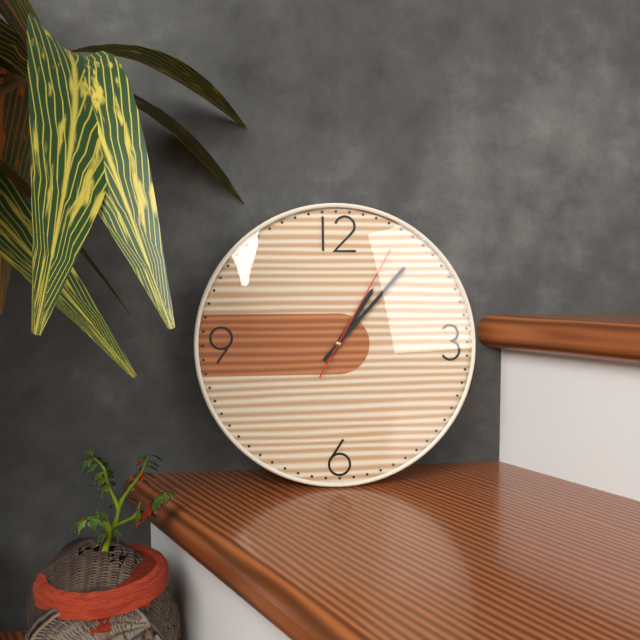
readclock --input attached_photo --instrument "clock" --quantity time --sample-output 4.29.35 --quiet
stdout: 1.07.05
